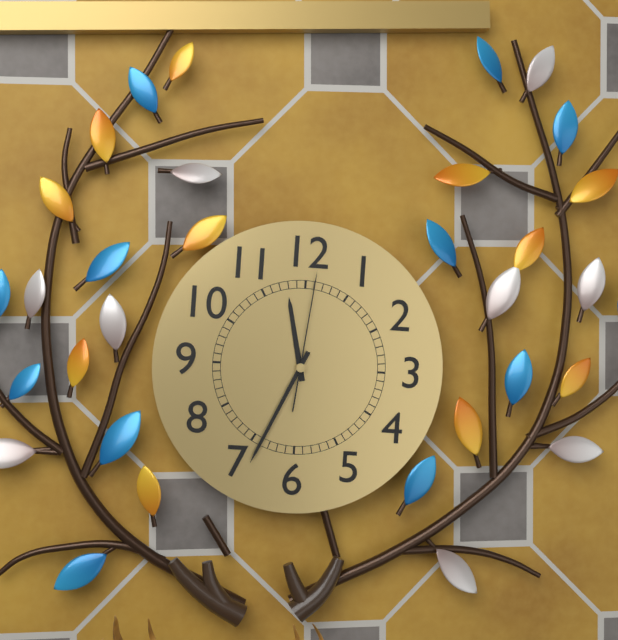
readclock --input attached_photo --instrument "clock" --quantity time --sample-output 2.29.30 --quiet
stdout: 11.34.01
